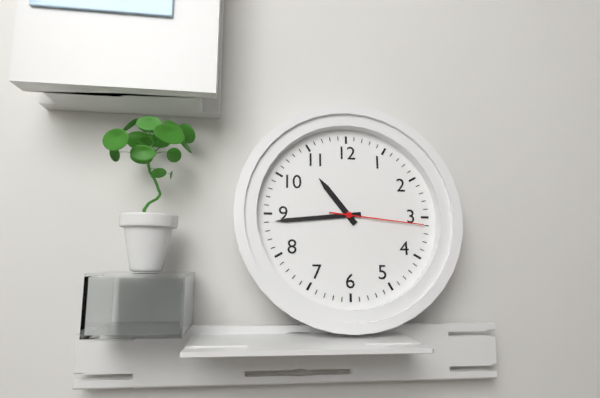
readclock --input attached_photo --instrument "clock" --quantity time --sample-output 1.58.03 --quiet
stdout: 10.44.16
